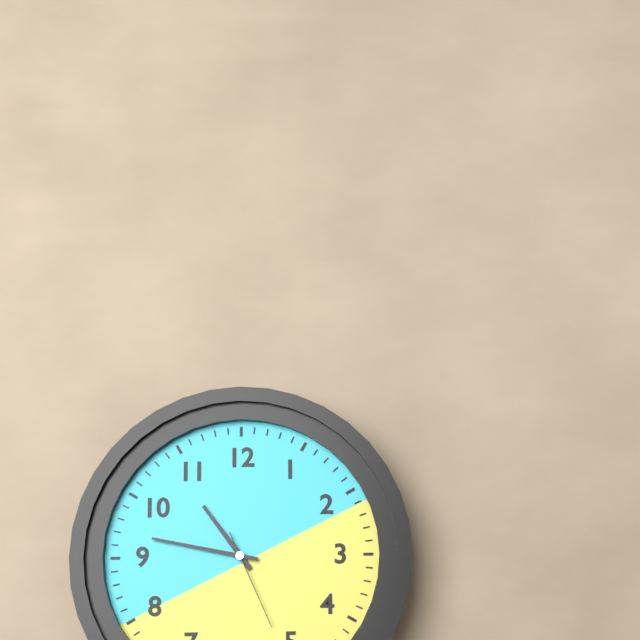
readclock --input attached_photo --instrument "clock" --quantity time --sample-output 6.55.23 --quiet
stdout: 10.47.26
